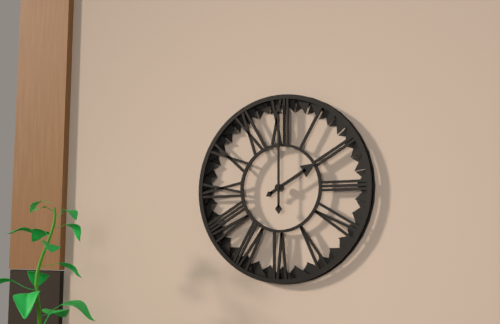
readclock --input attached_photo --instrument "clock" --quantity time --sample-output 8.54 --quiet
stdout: 2.00
